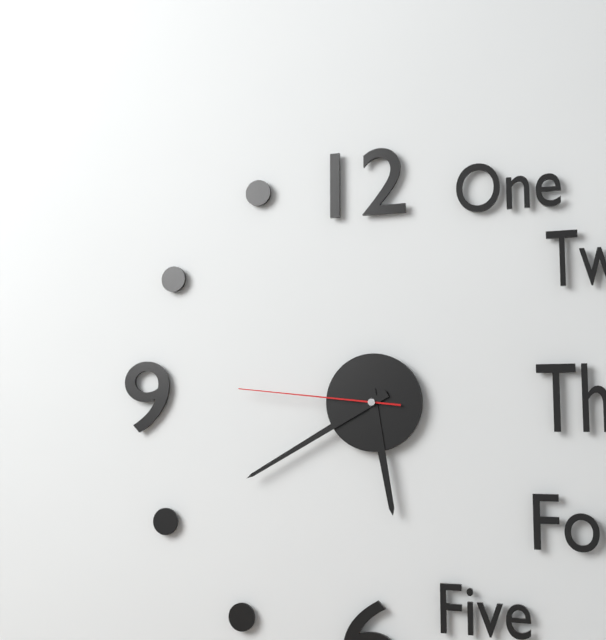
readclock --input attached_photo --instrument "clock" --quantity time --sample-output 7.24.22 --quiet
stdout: 5.40.46
